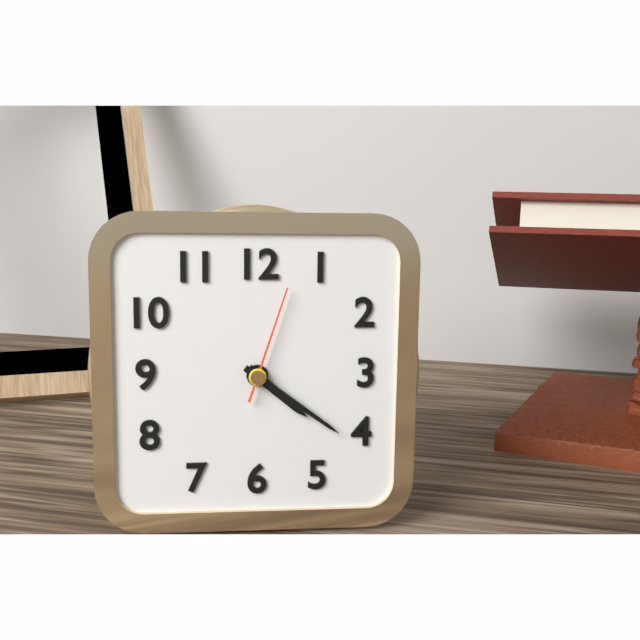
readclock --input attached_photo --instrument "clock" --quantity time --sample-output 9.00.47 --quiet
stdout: 4.21.03
